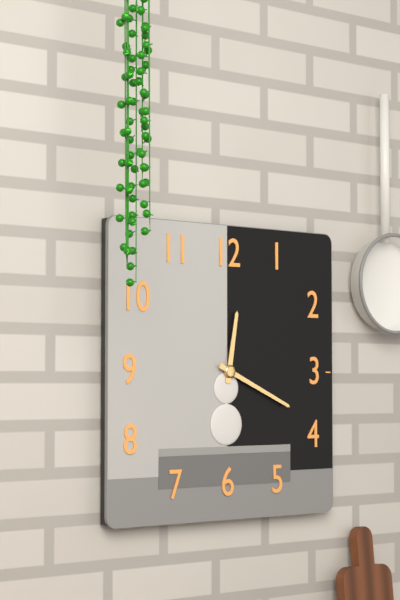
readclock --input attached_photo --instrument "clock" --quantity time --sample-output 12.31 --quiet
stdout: 12.19
